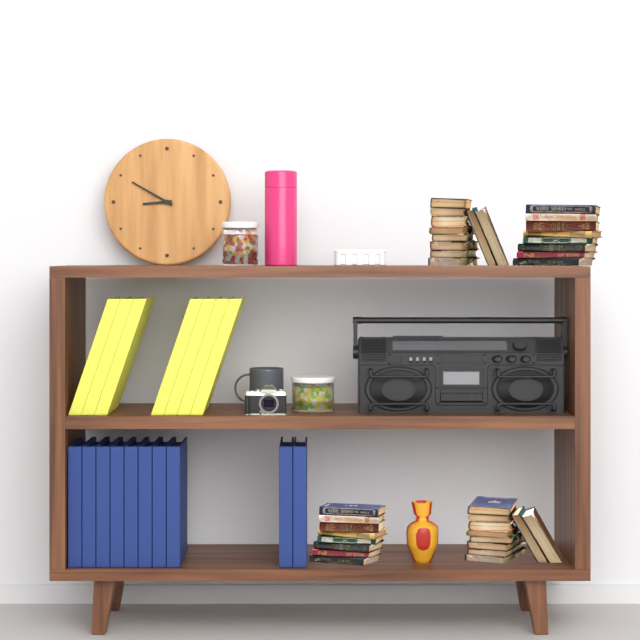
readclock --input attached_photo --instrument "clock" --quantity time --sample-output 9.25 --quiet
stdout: 8.50
